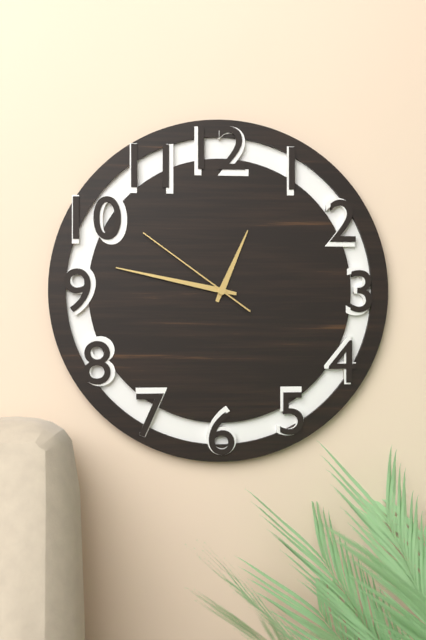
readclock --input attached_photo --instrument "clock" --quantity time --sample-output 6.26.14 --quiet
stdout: 12.47.51
